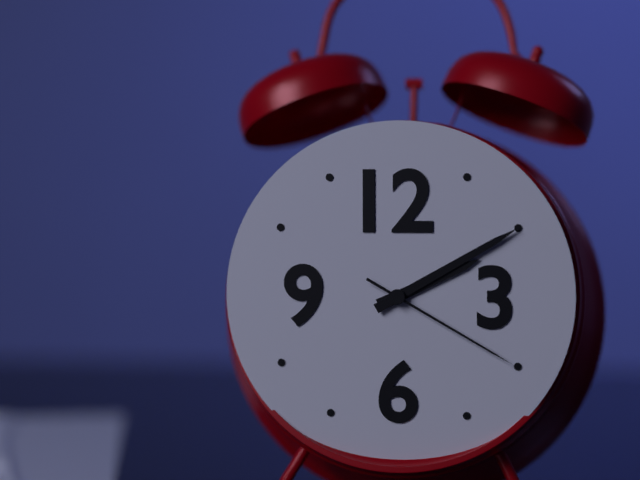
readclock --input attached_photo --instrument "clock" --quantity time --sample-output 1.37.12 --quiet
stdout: 2.10.20
